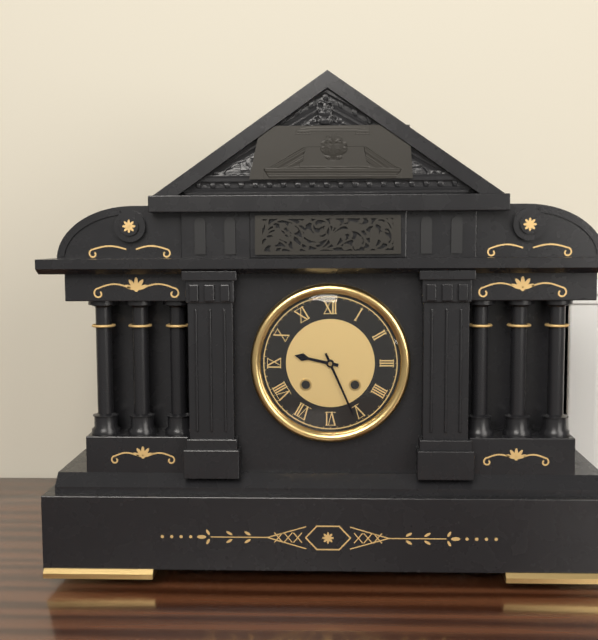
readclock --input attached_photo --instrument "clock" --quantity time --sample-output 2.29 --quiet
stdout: 9.26
